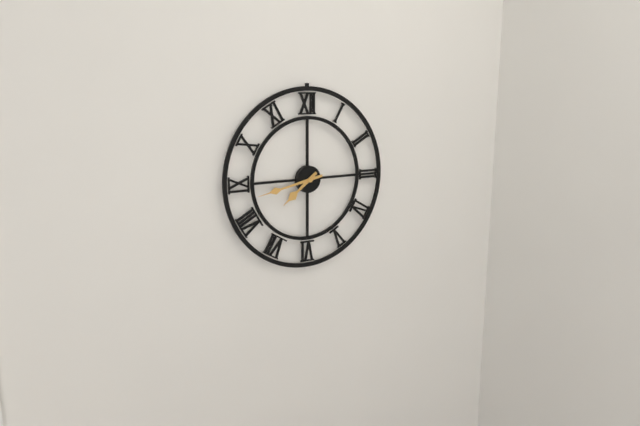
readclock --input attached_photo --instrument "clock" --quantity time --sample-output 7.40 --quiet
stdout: 7.43
